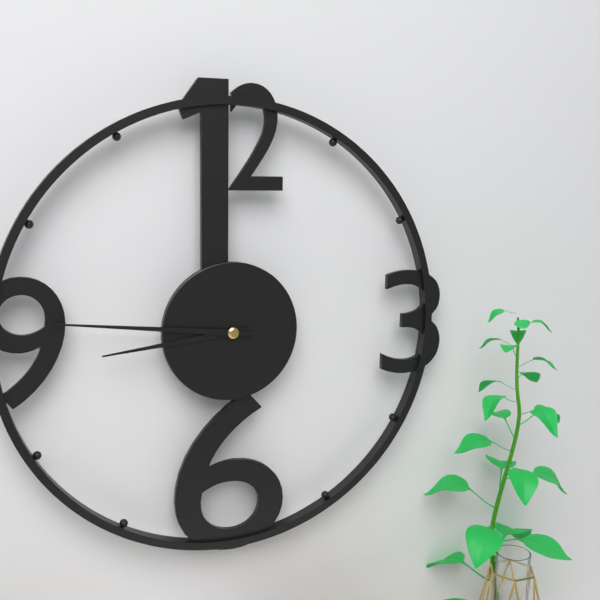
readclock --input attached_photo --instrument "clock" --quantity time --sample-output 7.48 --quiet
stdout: 8.46
